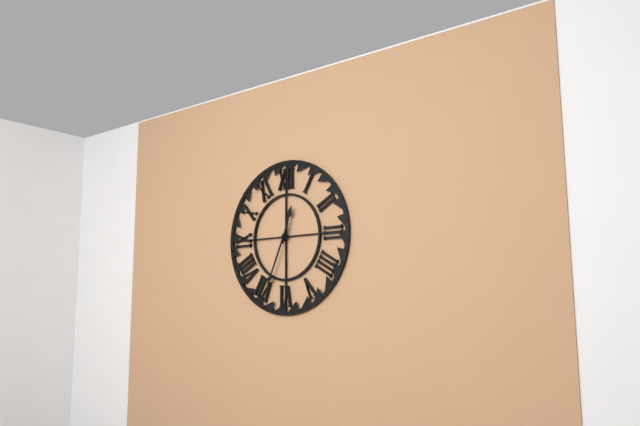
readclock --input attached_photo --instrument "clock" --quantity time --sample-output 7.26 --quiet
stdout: 12.34
